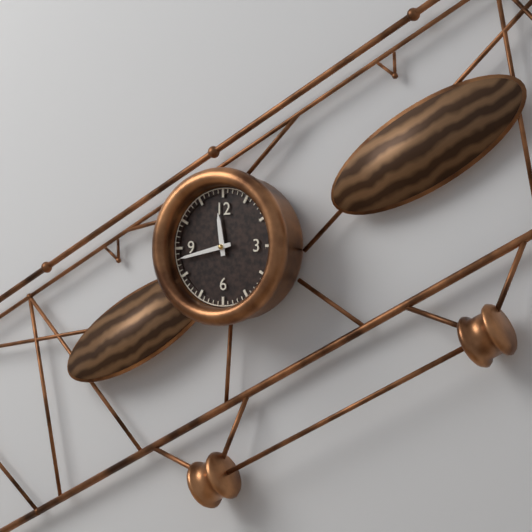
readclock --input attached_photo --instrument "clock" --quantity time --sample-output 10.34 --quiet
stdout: 11.43
